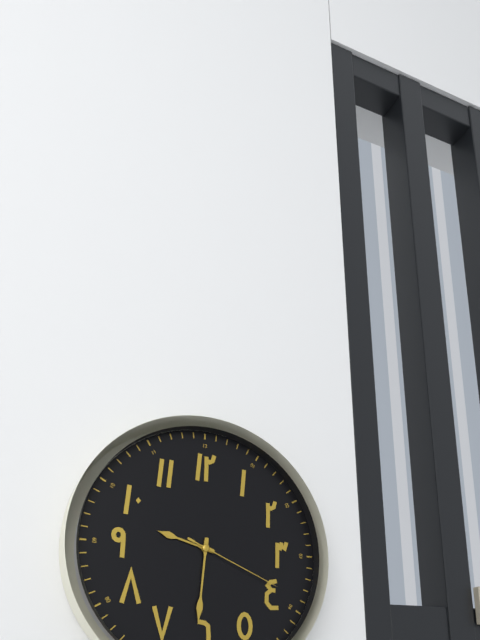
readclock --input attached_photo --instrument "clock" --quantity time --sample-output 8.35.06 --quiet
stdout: 9.31.19
